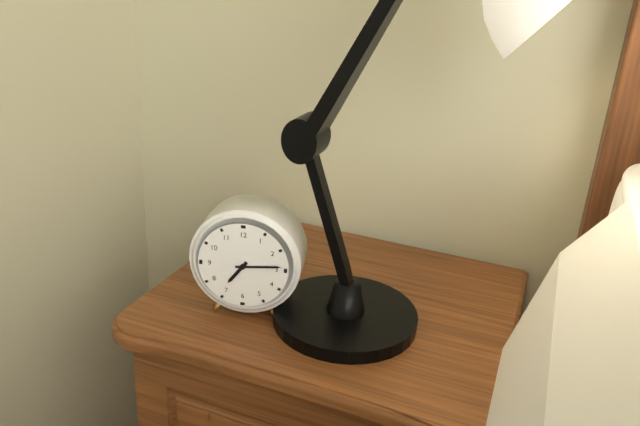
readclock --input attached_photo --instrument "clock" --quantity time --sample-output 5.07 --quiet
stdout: 7.14
